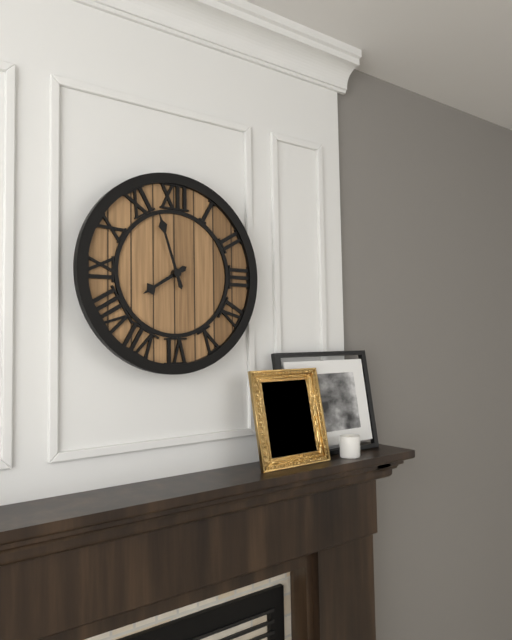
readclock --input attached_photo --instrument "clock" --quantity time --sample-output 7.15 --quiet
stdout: 7.57
